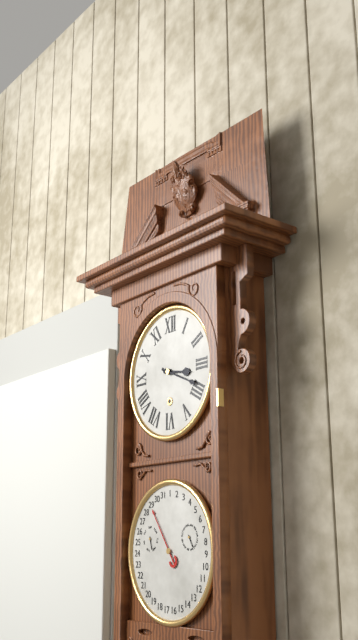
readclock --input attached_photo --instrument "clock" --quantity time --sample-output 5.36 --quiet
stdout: 3.19
